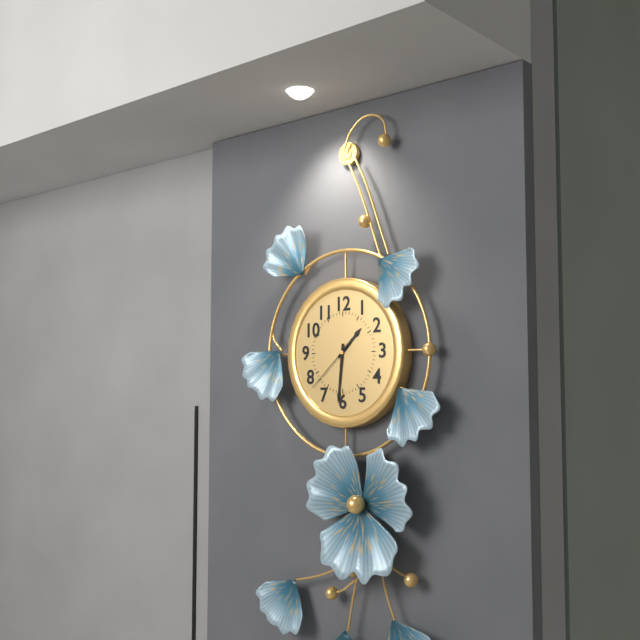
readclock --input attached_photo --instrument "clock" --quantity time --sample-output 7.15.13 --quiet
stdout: 1.31.38
